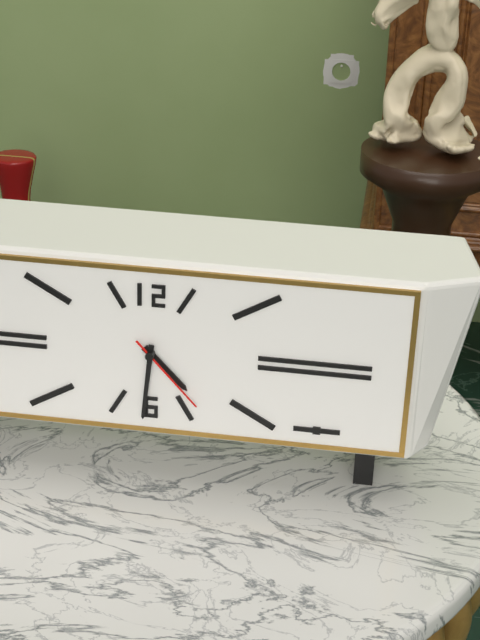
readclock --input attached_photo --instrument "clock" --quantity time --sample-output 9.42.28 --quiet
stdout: 4.31.23
